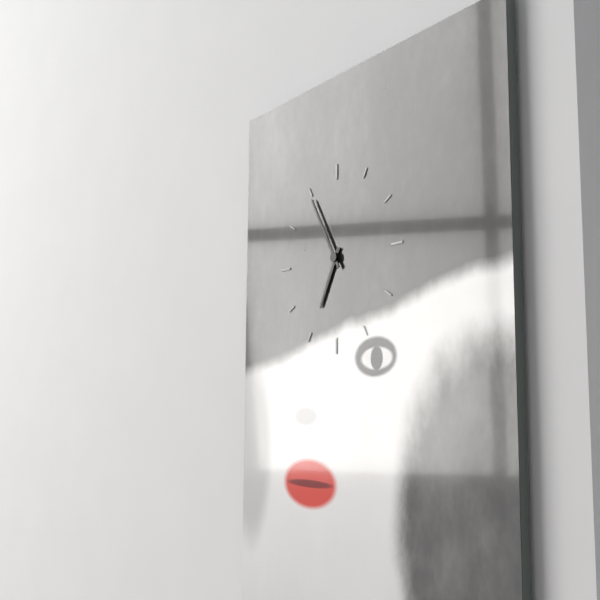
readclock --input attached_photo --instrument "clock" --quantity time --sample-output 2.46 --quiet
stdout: 6.55
